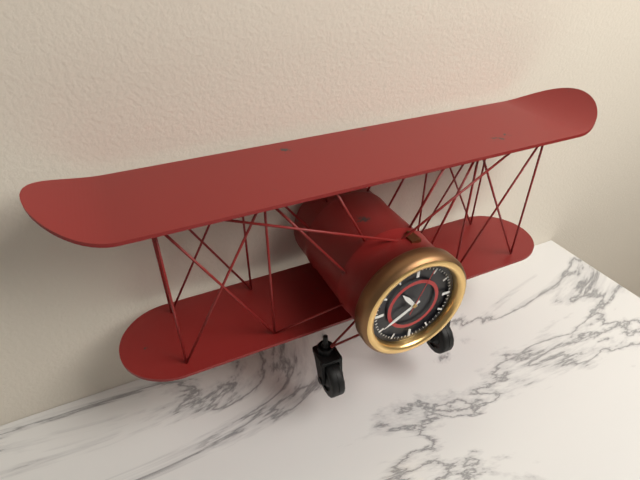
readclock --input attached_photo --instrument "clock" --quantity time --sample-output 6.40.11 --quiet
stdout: 10.40.04
